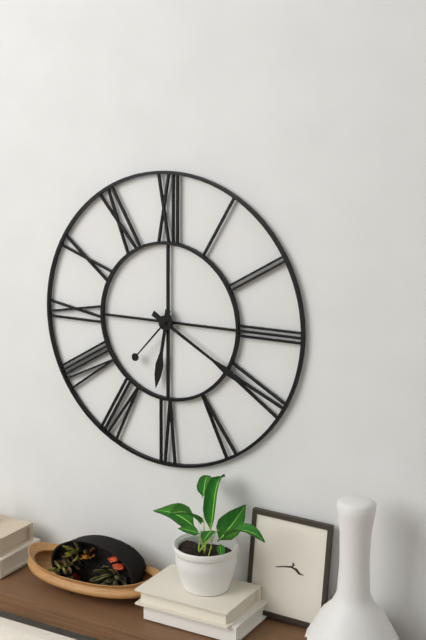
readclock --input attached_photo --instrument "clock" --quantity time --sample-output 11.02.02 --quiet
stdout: 6.20.37
